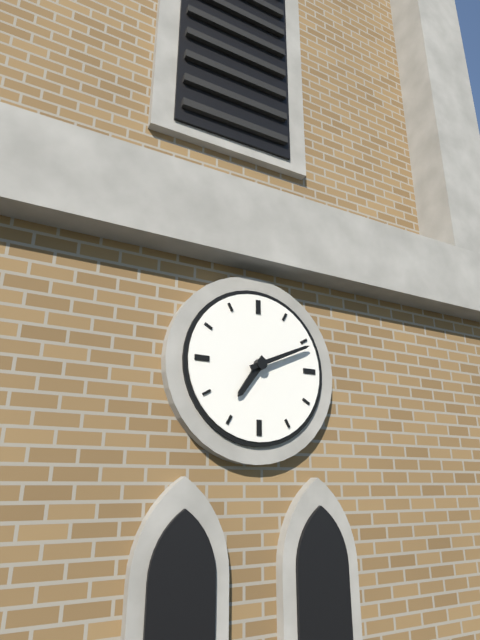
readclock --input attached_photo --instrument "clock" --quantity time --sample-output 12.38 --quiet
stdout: 7.11
